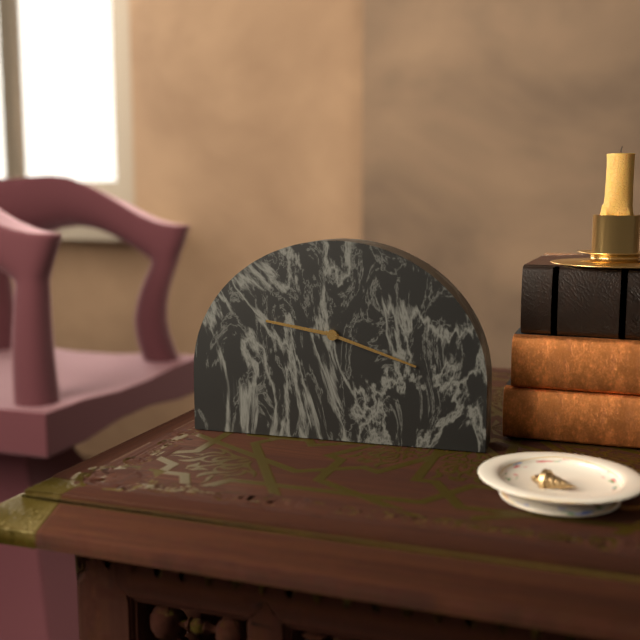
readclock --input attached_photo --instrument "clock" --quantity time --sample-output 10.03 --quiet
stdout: 9.18
